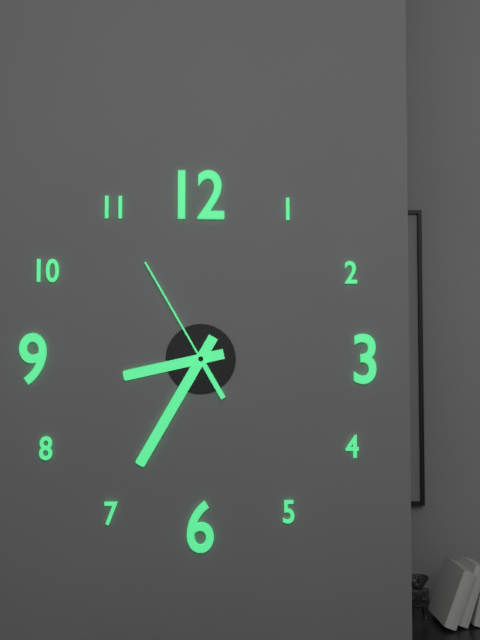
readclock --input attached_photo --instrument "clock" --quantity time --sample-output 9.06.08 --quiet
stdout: 8.35.55
